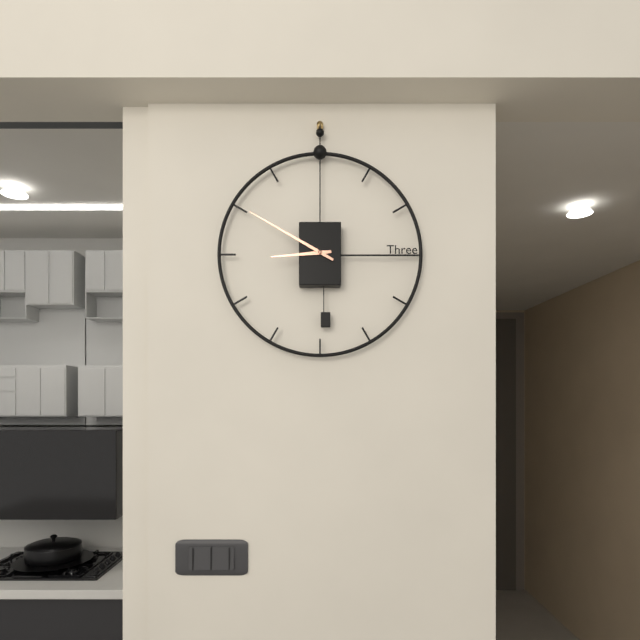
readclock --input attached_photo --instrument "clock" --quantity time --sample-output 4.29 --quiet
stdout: 8.50
